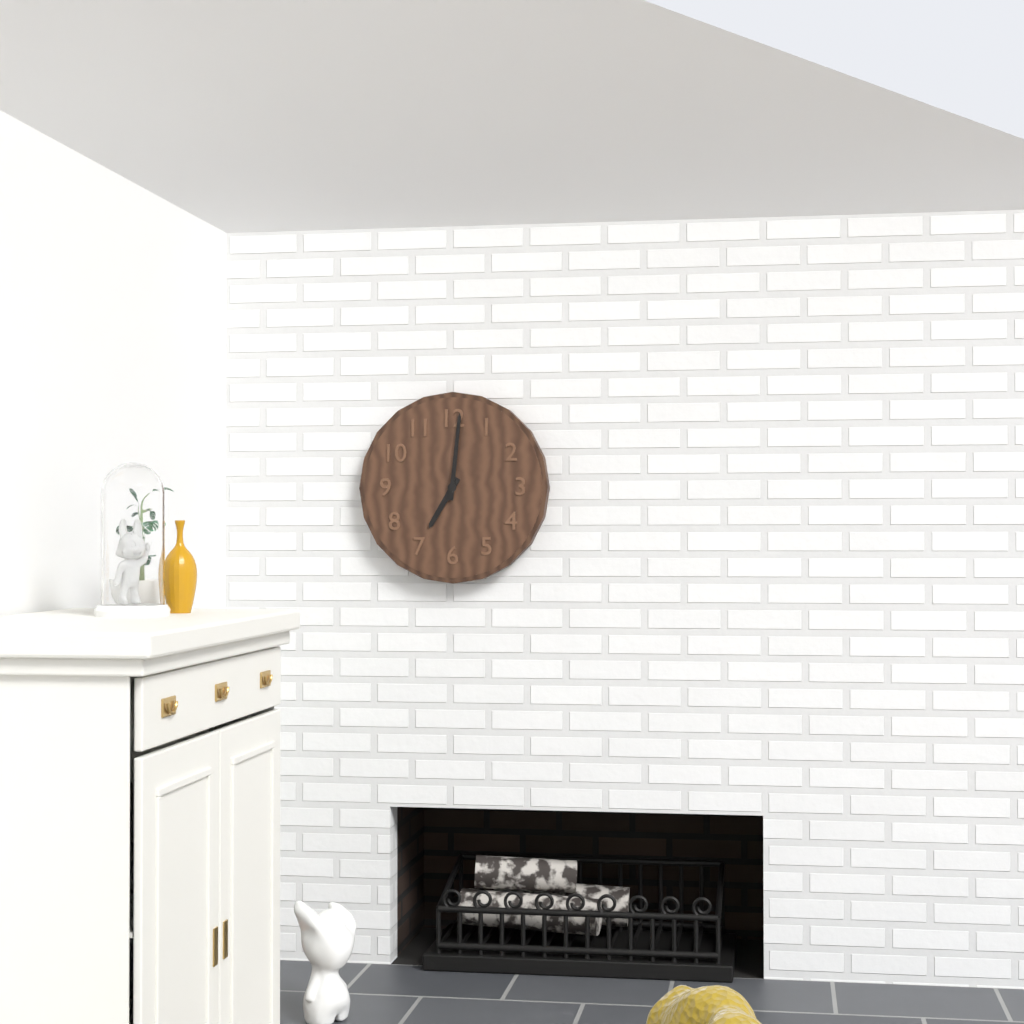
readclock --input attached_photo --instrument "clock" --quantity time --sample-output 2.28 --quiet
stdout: 7.01
